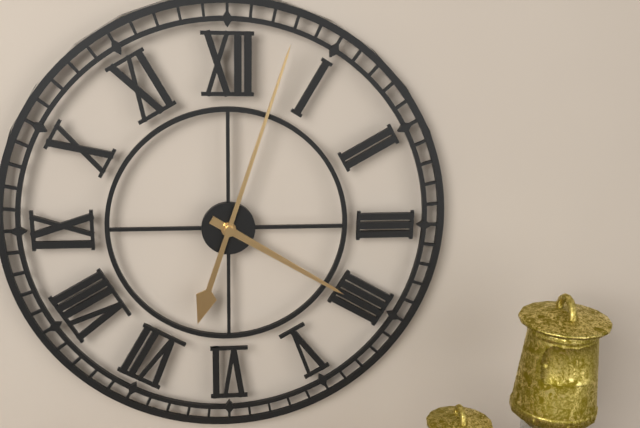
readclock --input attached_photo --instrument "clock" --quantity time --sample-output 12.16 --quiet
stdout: 4.03
